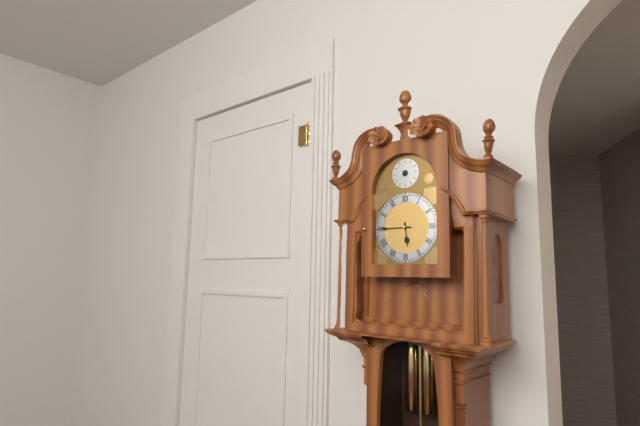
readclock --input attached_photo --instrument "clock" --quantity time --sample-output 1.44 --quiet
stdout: 5.45
